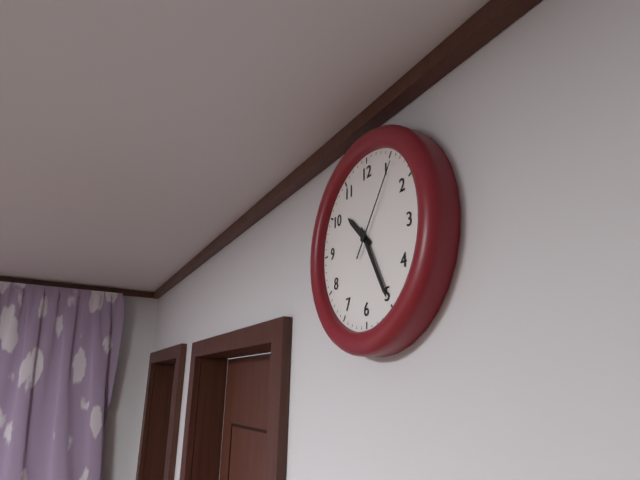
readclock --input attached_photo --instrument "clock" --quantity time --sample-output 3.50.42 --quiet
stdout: 10.25.06
